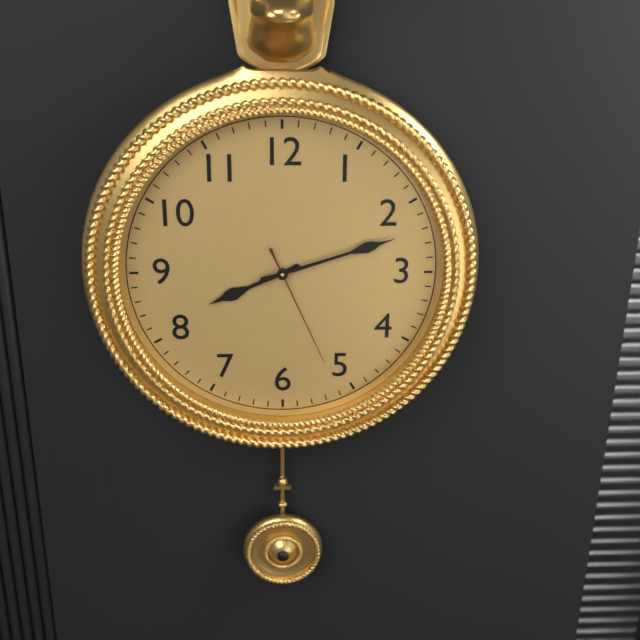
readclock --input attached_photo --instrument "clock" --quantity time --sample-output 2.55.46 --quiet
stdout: 8.12.26
